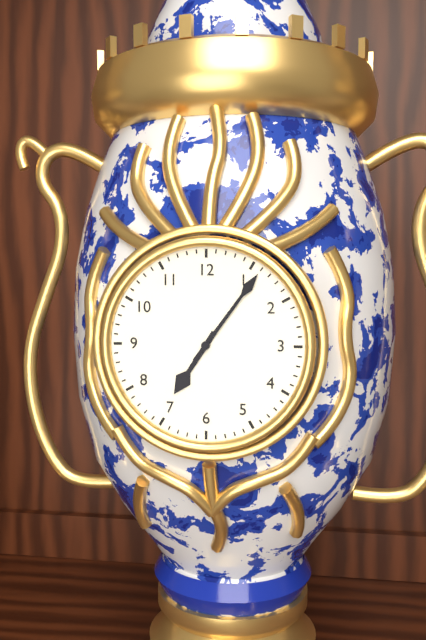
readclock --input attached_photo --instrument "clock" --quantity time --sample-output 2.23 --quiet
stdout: 7.06
